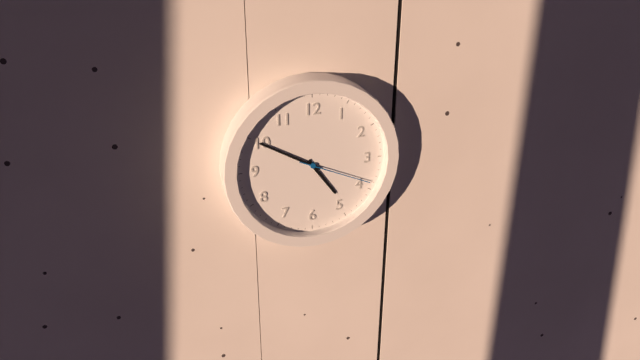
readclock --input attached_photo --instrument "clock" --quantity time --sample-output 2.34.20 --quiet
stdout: 4.50.19
